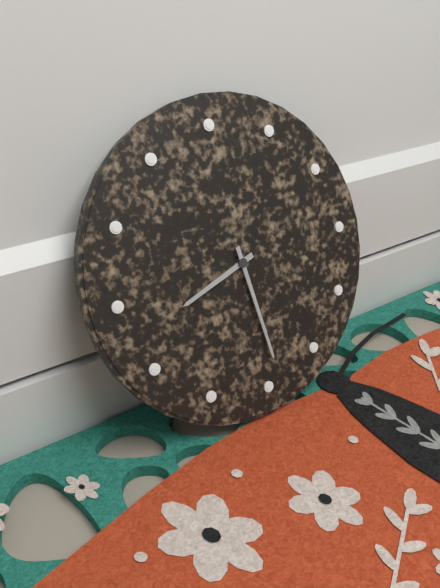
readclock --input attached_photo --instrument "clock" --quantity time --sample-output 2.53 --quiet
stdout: 8.29
